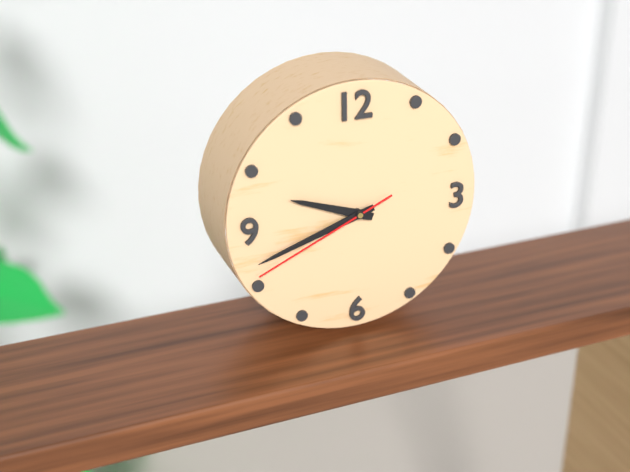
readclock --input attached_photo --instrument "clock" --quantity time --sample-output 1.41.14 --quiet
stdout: 9.42.41
